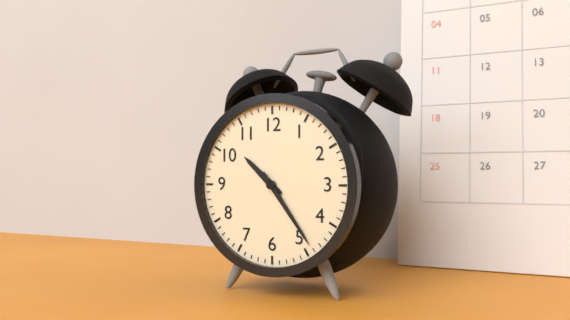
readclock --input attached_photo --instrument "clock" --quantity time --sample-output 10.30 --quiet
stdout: 10.24
